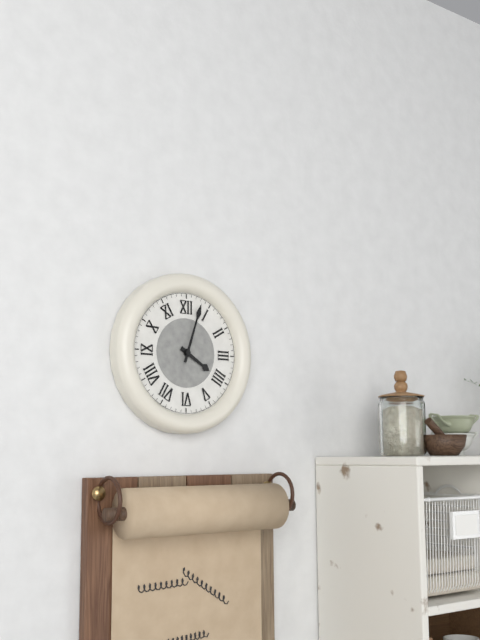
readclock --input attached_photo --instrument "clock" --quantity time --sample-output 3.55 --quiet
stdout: 4.03
